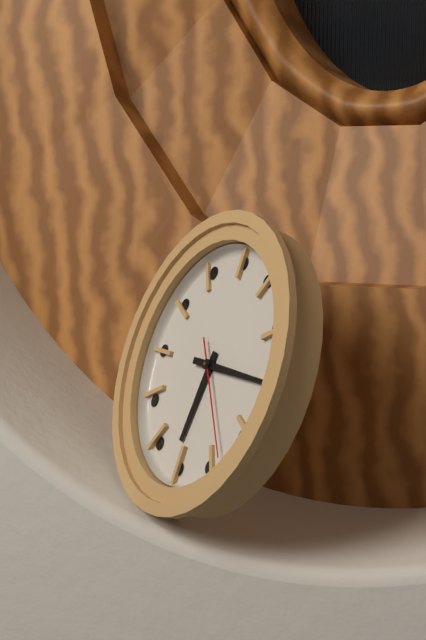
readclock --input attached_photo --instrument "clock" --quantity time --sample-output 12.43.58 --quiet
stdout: 6.15.23
